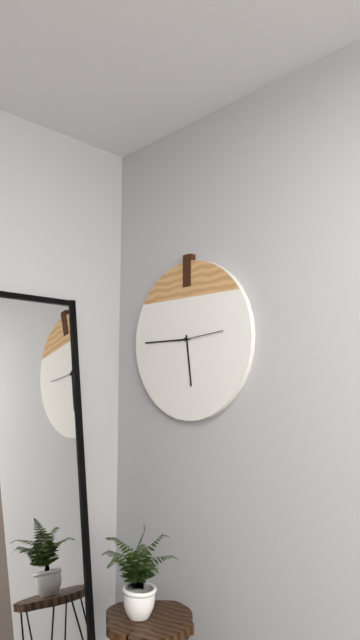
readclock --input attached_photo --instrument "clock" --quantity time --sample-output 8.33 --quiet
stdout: 5.45
